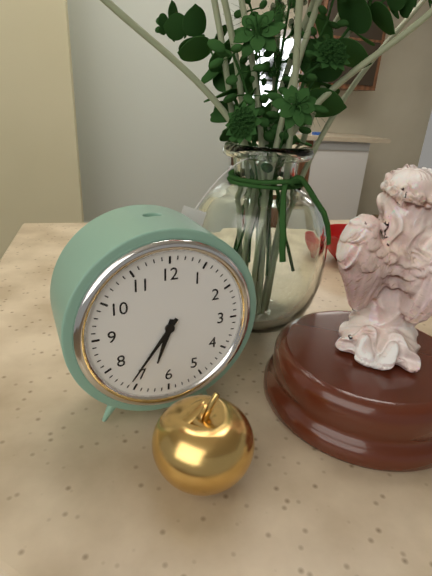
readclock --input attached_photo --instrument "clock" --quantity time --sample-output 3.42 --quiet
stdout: 6.36
